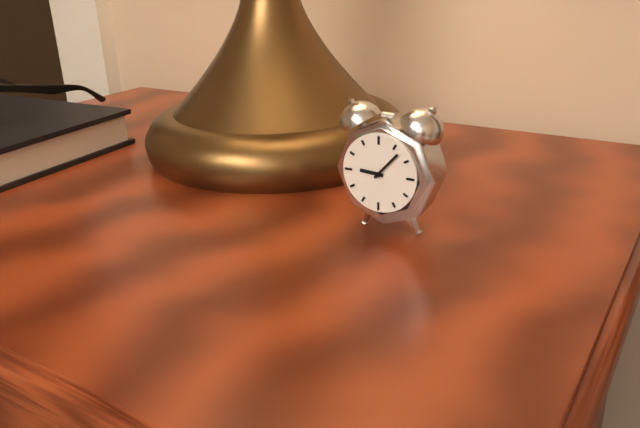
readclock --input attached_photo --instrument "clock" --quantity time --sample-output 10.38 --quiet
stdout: 9.07
